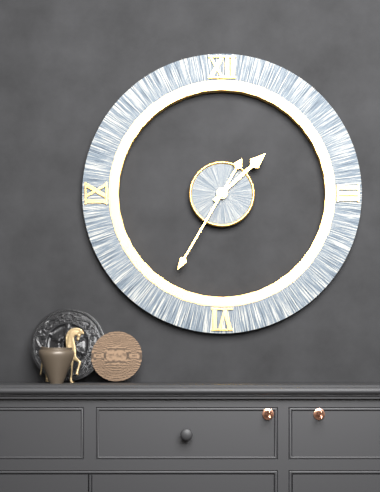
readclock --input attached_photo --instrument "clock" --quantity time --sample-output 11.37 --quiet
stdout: 1.35
